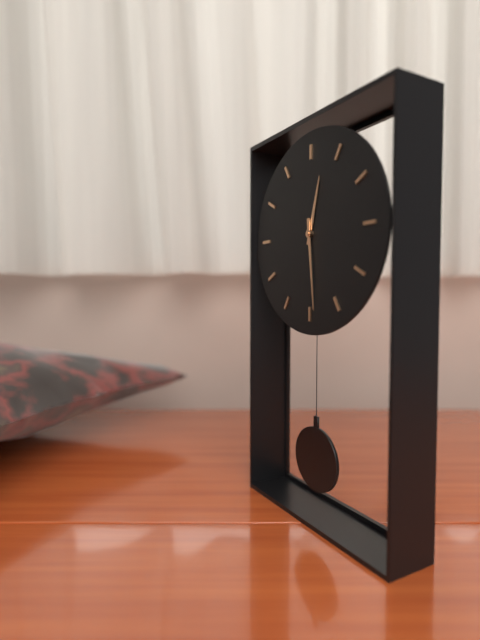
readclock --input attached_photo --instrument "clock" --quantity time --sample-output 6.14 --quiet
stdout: 12.29
